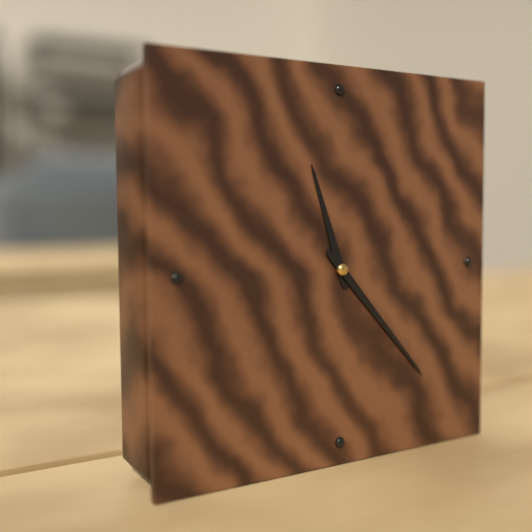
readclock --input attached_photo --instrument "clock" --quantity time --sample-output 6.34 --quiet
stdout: 11.23
